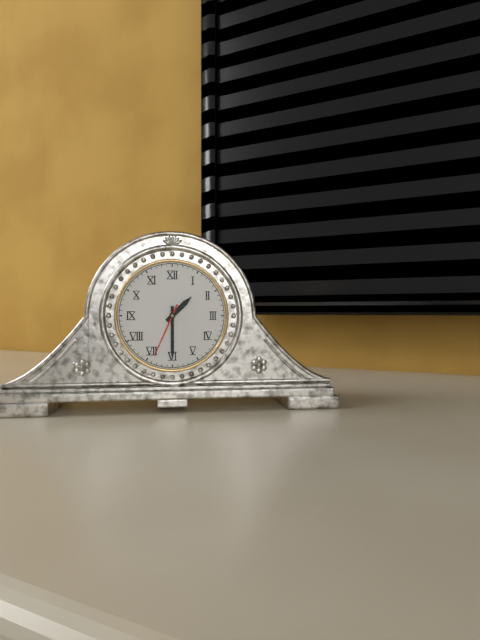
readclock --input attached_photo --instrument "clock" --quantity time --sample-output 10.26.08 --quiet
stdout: 1.30.34
